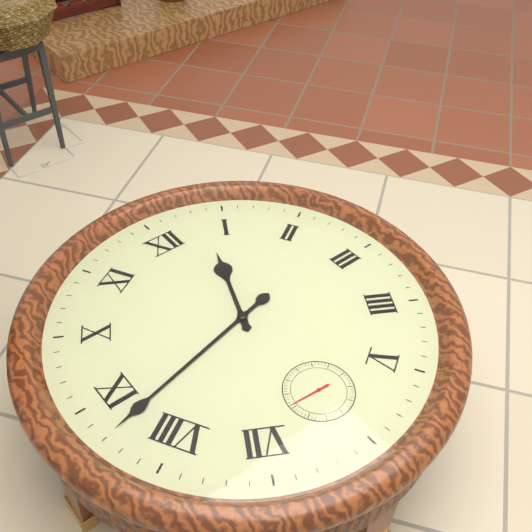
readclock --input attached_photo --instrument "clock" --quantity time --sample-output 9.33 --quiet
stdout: 12.43
